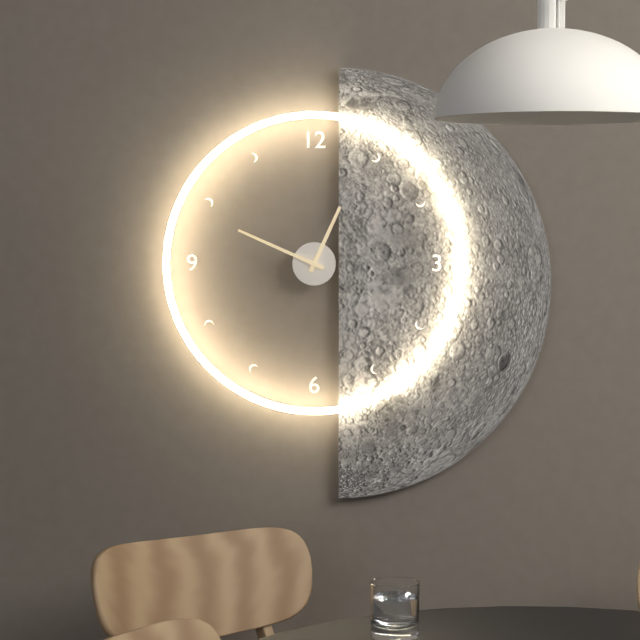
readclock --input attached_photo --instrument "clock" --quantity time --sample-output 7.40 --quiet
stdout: 12.49
